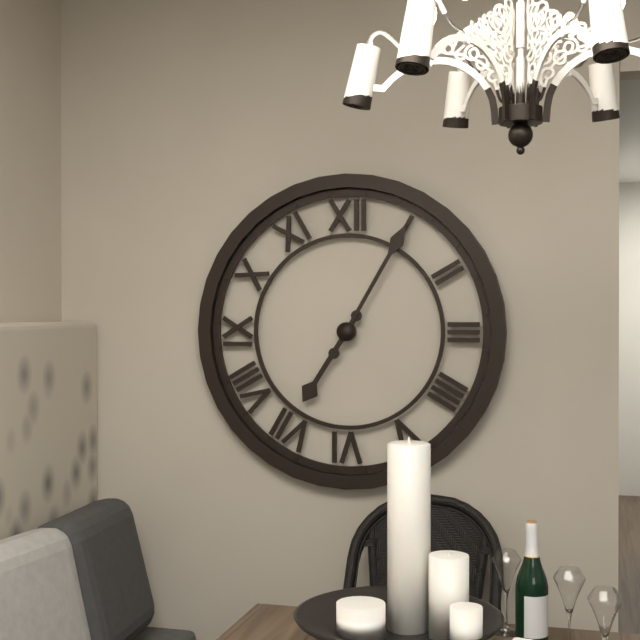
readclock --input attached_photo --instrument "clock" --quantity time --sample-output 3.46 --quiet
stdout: 7.05
